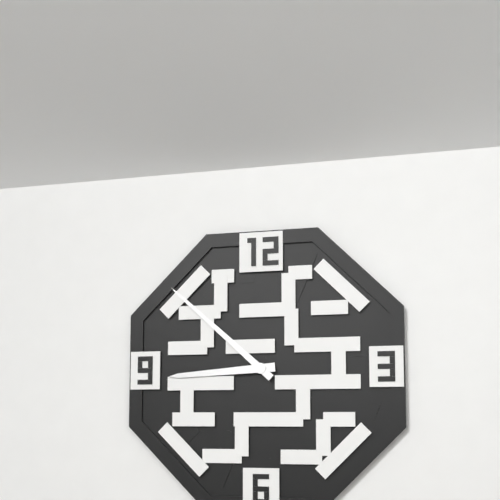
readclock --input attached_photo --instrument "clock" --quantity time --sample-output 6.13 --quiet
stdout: 8.52
